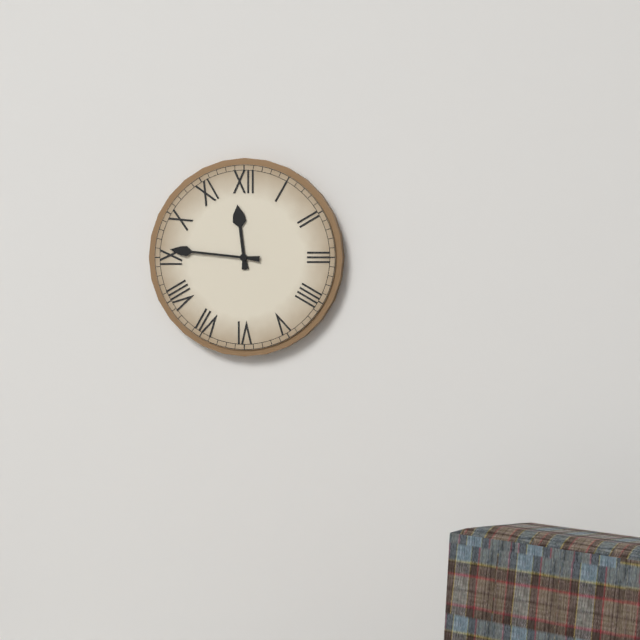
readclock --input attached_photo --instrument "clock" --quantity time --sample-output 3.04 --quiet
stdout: 11.46
